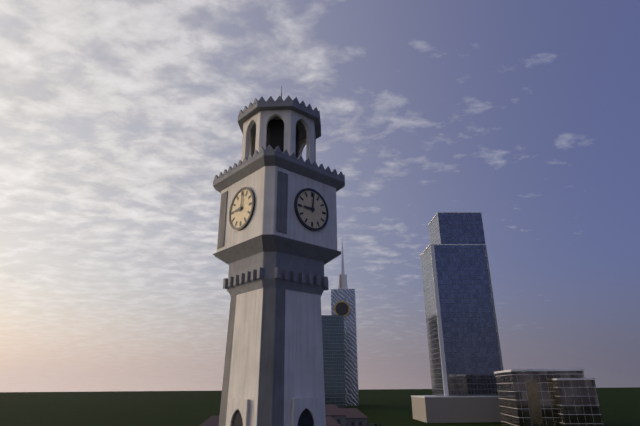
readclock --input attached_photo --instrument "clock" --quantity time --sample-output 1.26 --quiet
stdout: 9.01
